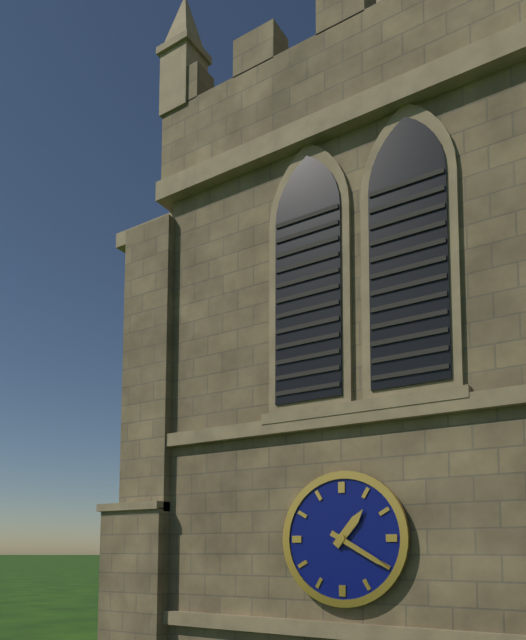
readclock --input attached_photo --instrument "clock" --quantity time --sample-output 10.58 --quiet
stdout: 1.20
